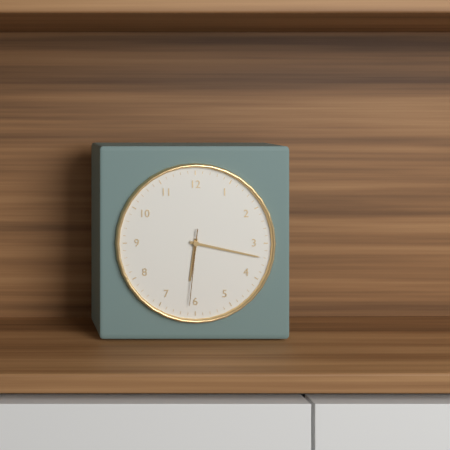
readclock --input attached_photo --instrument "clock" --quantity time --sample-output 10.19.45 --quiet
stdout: 6.17.31
